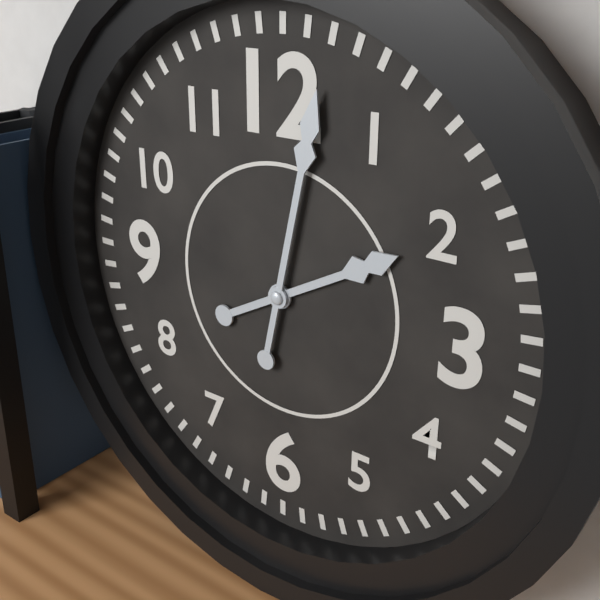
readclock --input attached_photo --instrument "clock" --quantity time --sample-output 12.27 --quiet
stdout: 2.02
